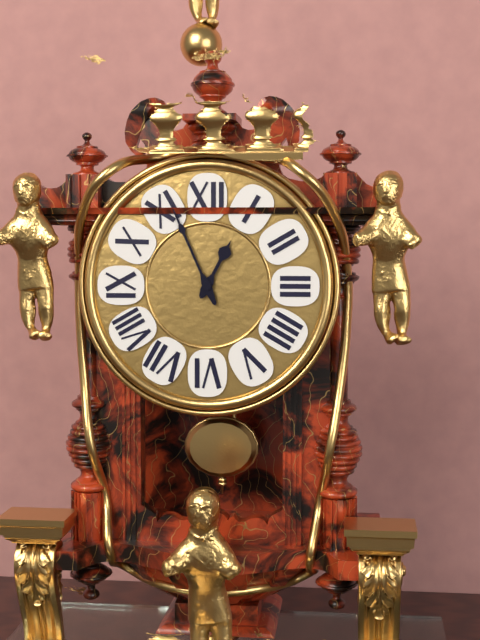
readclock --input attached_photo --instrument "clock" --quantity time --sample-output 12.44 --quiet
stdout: 12.56
